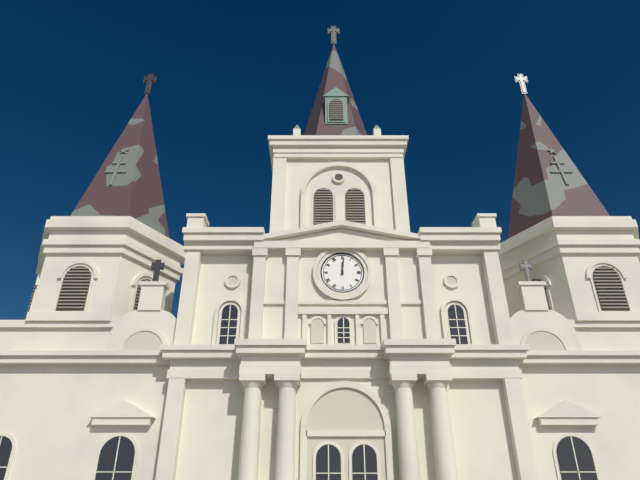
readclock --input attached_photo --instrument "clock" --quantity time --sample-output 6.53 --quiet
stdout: 12.01
